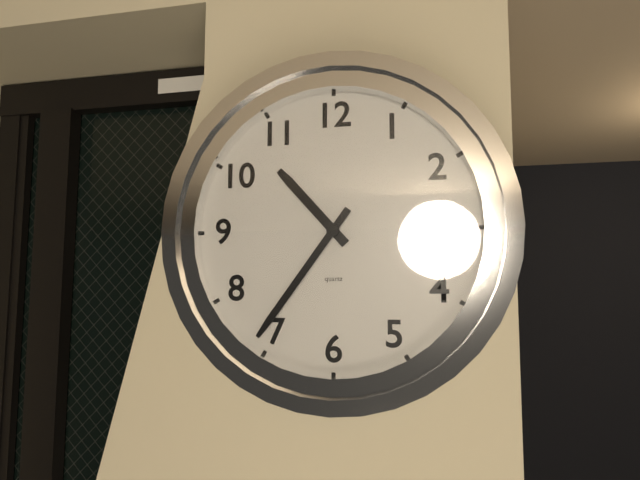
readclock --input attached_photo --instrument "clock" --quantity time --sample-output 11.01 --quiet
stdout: 10.36
